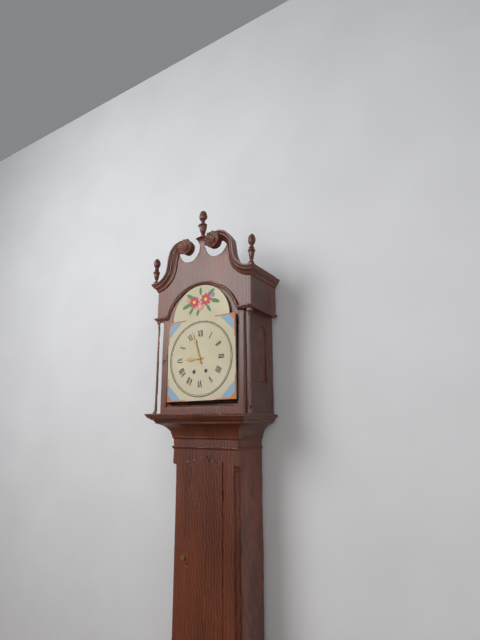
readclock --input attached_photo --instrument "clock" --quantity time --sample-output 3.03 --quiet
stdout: 8.57
